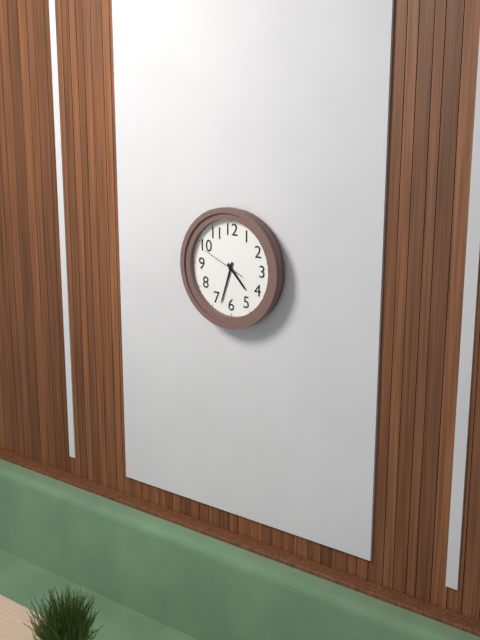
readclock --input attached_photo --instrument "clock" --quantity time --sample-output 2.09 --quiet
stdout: 4.33
